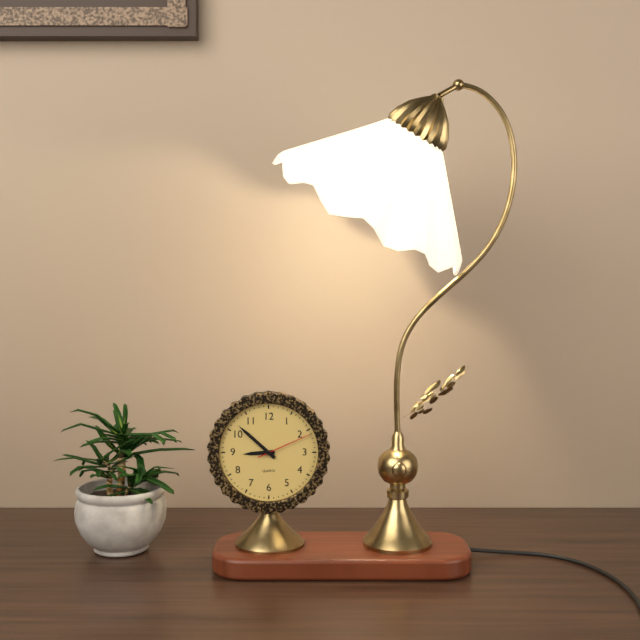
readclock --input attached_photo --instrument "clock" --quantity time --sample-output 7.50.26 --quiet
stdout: 8.52.11
